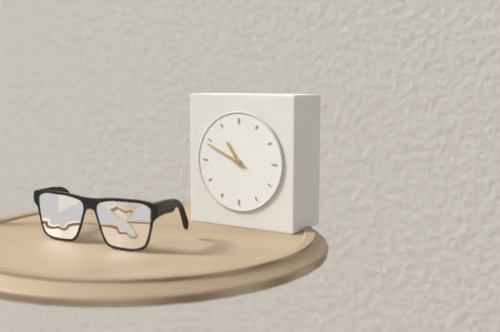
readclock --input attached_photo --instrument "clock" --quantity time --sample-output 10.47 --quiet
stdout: 10.49
